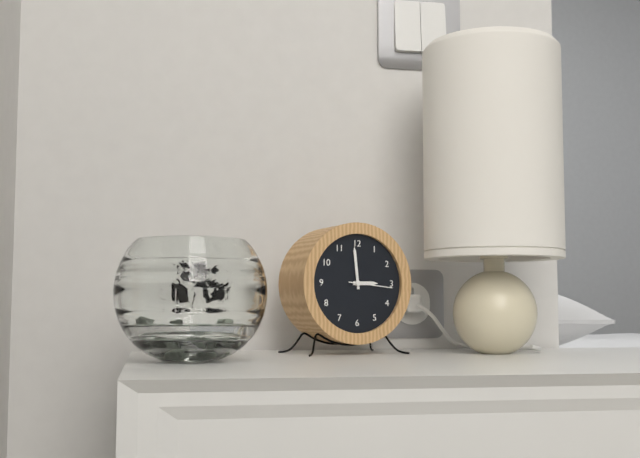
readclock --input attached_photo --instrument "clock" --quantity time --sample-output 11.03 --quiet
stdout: 2.59
